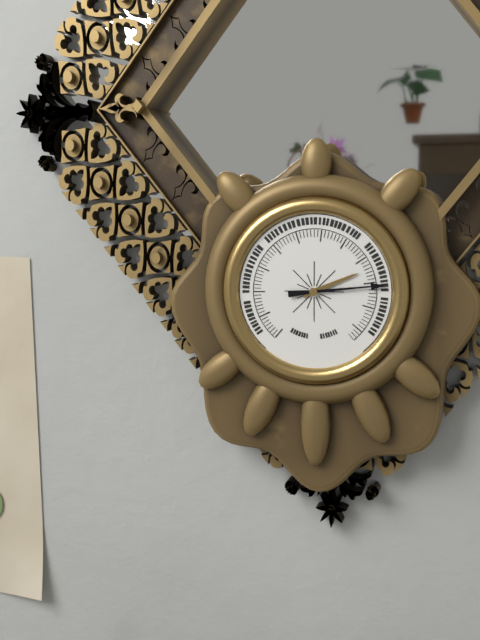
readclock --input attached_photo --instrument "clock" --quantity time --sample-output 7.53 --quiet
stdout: 2.14
